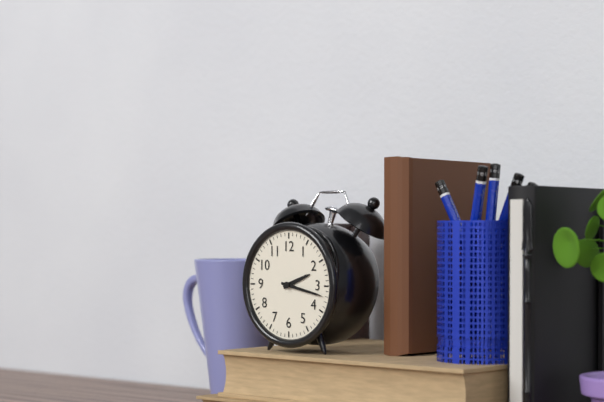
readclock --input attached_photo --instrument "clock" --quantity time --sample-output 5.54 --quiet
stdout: 2.17
